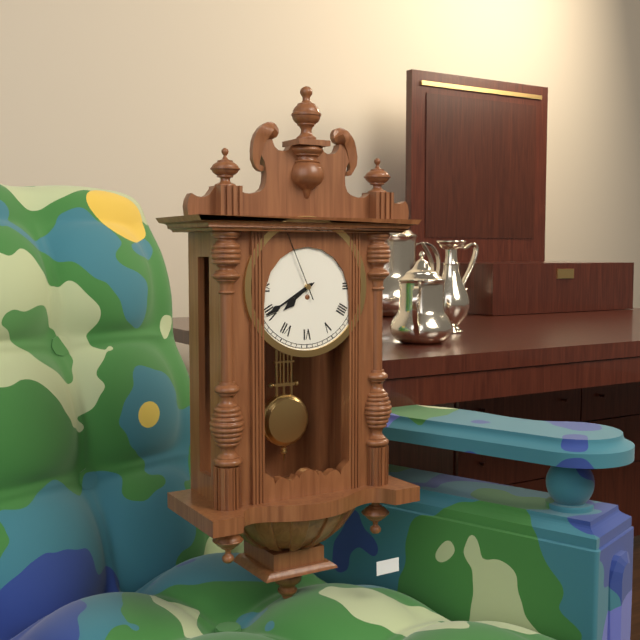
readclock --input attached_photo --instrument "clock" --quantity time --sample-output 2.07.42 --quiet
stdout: 7.40.56
